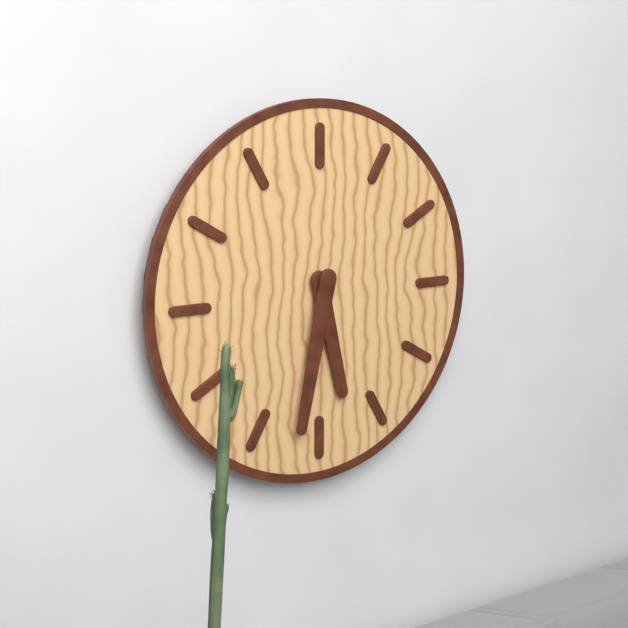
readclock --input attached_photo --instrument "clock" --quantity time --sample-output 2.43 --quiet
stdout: 5.32
